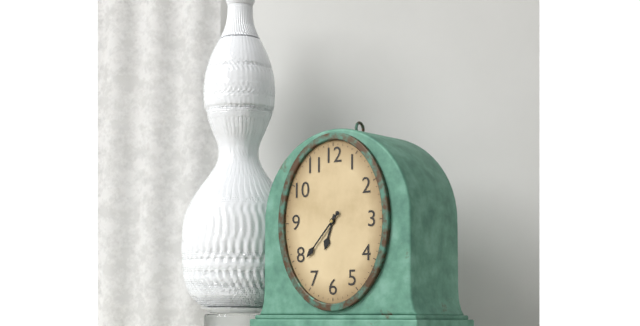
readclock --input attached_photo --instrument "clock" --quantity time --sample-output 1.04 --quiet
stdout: 6.37
